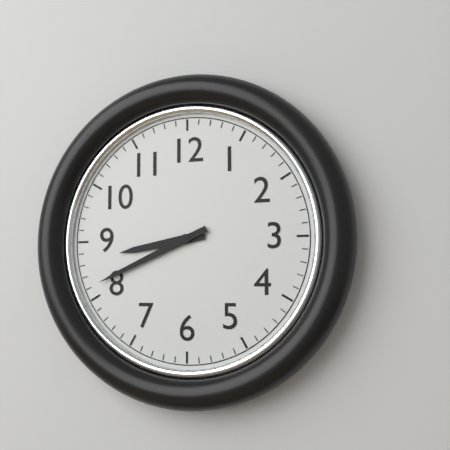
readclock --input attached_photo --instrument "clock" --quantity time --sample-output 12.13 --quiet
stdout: 8.41
